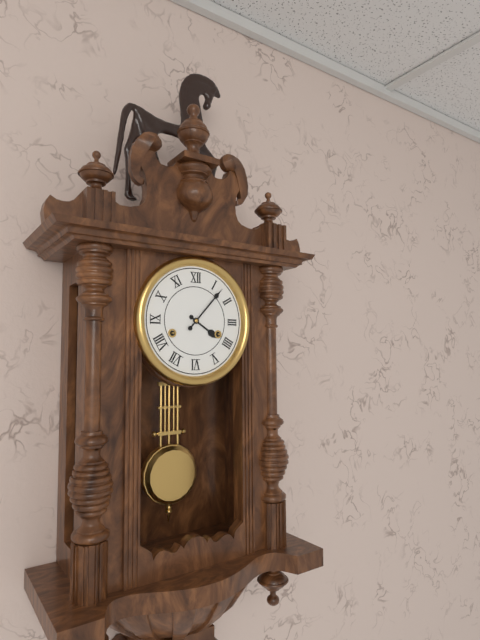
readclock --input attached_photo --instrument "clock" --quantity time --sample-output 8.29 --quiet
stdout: 4.07
